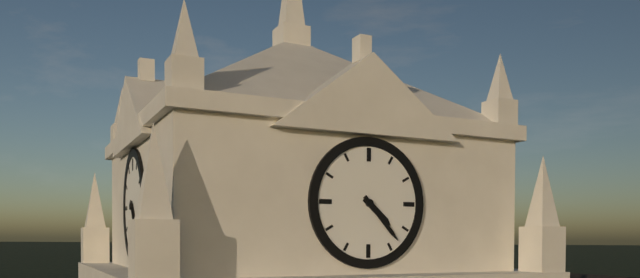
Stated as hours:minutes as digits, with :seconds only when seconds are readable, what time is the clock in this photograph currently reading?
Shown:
4:23
